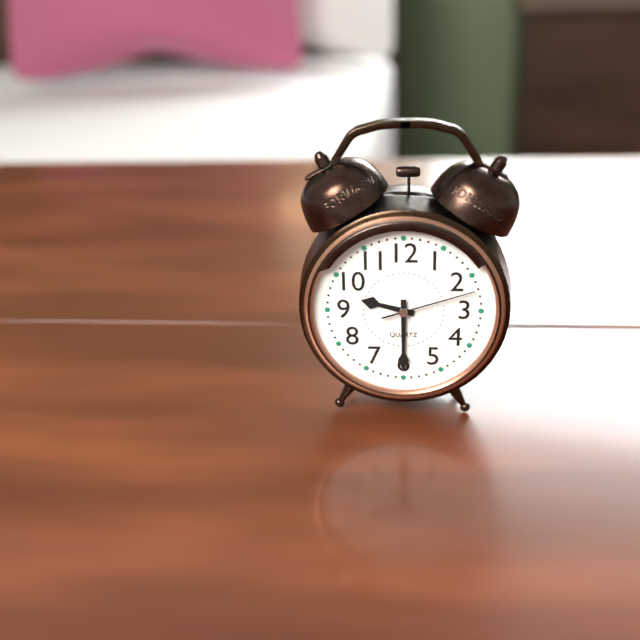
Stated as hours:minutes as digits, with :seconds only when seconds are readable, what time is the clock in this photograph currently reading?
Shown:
9:30:12
